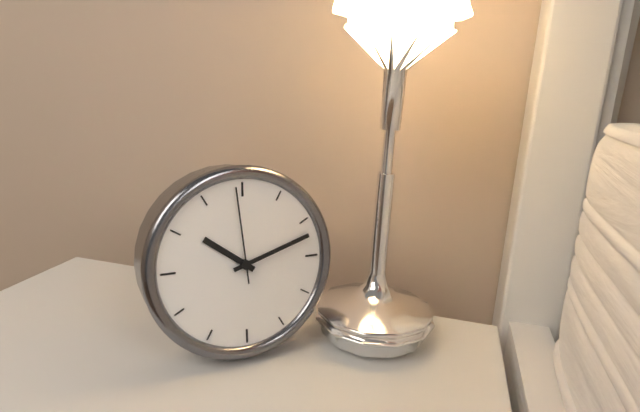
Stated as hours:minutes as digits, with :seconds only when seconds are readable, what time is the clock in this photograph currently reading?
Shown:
10:12:59
